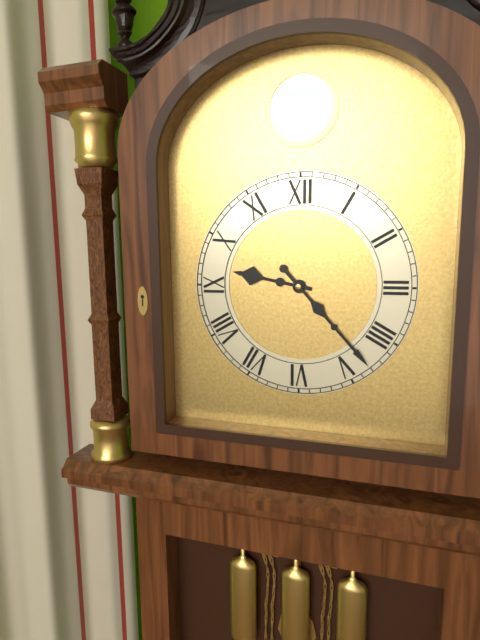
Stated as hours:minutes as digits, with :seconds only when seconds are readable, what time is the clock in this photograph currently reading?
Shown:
9:23
